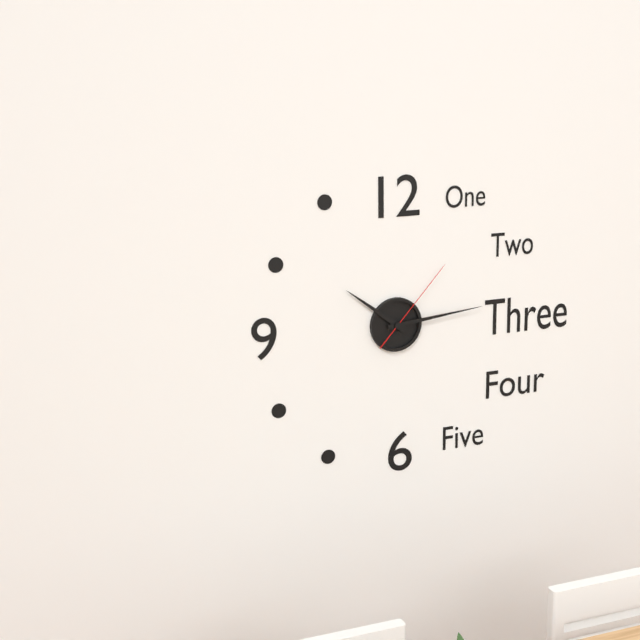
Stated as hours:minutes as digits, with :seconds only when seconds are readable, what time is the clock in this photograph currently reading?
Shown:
10:14:07
